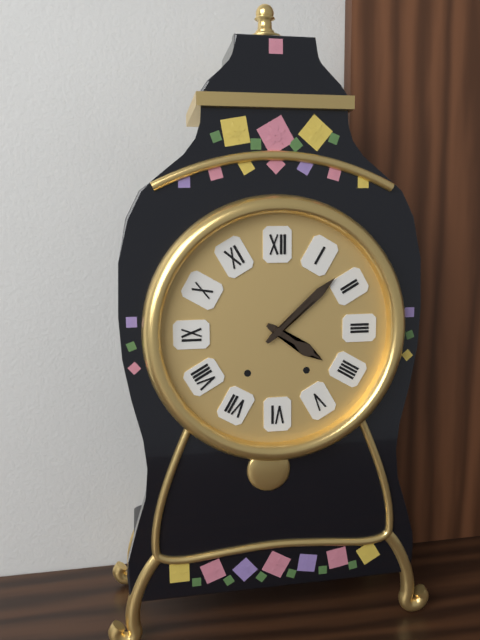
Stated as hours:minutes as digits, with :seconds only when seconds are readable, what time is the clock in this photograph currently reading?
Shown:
4:08
